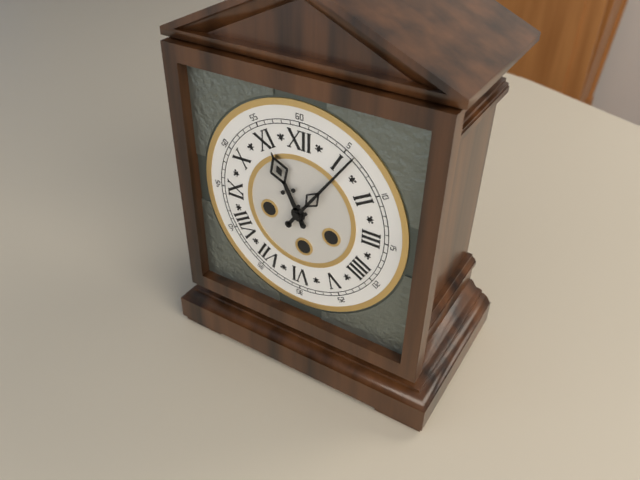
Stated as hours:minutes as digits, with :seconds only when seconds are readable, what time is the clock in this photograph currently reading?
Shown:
11:06
